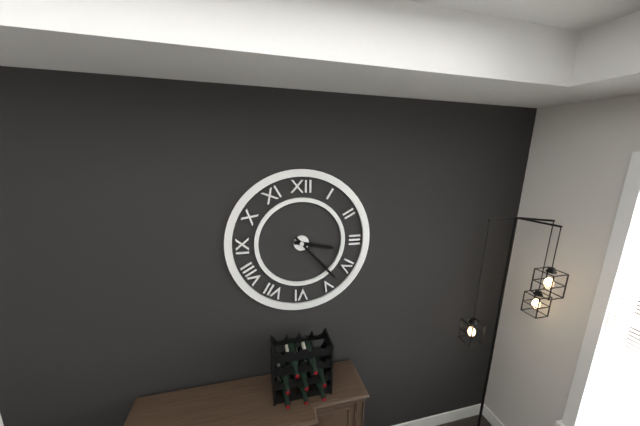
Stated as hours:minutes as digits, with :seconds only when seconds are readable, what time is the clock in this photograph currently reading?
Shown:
3:23
